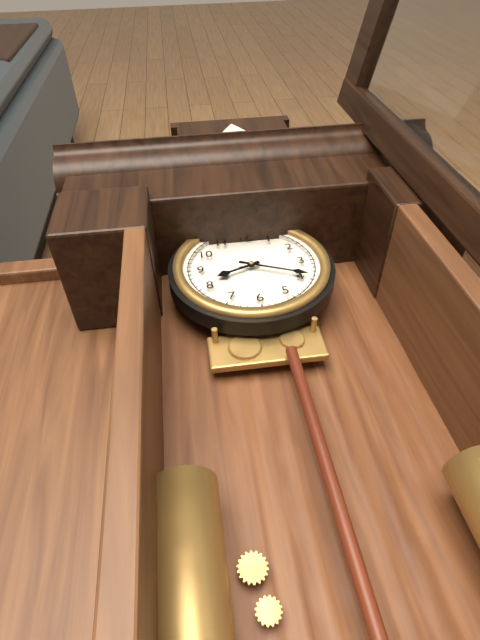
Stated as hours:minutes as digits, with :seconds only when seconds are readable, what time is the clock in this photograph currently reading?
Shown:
8:19
